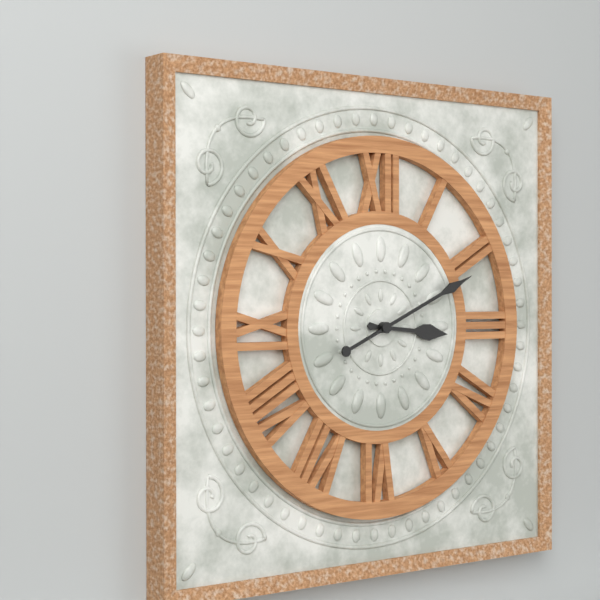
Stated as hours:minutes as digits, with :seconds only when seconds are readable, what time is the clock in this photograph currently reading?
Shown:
3:11
